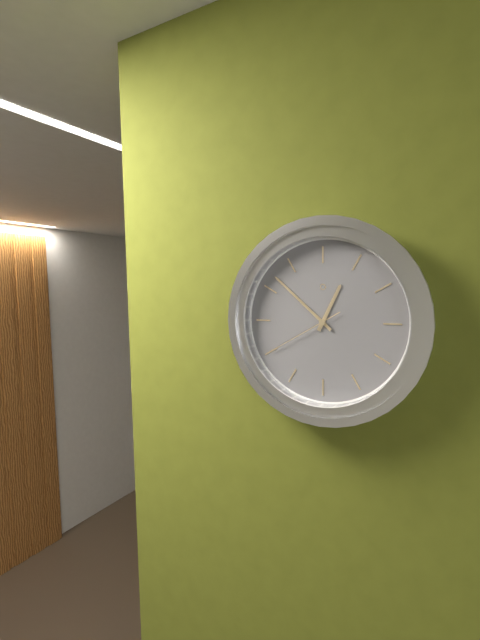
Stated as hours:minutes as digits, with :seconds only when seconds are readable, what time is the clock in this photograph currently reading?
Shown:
12:52:40
